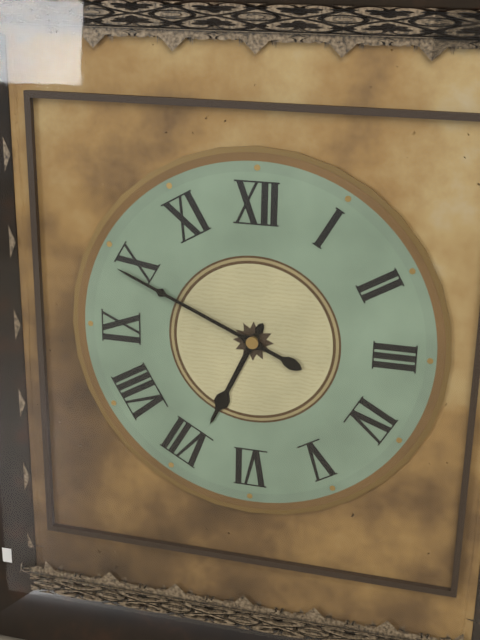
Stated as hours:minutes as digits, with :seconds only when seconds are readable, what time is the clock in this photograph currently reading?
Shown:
6:49
